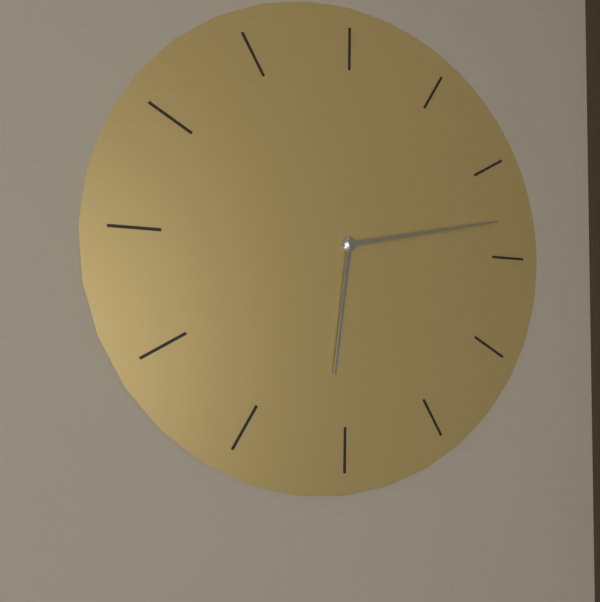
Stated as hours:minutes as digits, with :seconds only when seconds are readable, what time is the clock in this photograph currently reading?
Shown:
6:13
